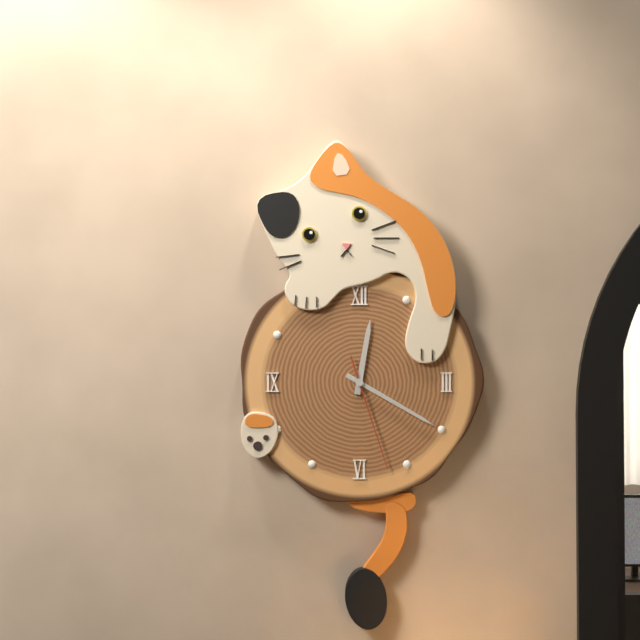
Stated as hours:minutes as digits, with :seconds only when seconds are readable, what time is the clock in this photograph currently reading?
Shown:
12:20:27
